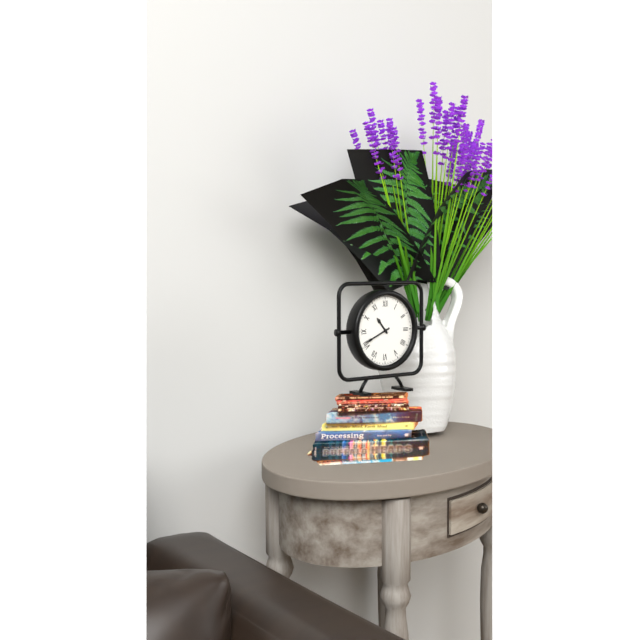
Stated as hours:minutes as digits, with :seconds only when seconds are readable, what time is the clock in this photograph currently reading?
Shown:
10:41
